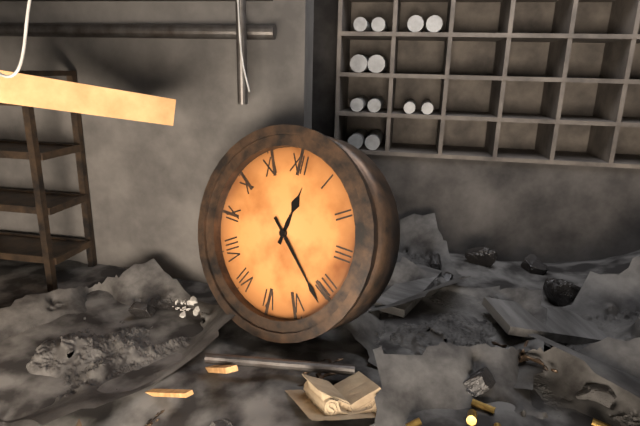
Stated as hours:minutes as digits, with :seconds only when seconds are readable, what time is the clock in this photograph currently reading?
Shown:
12:22
